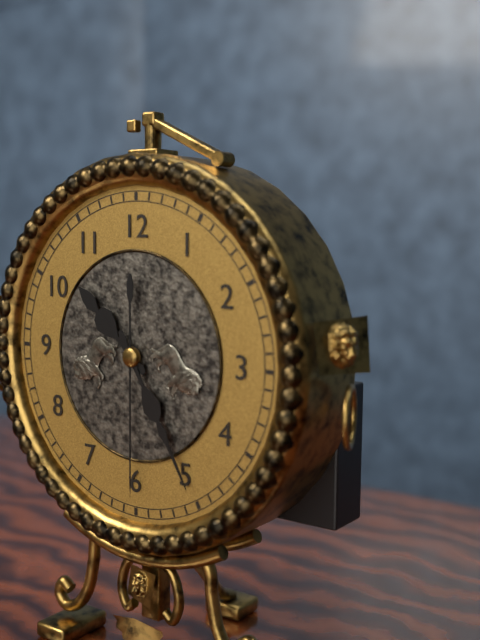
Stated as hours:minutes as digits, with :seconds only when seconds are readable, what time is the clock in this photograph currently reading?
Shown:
10:25:30
